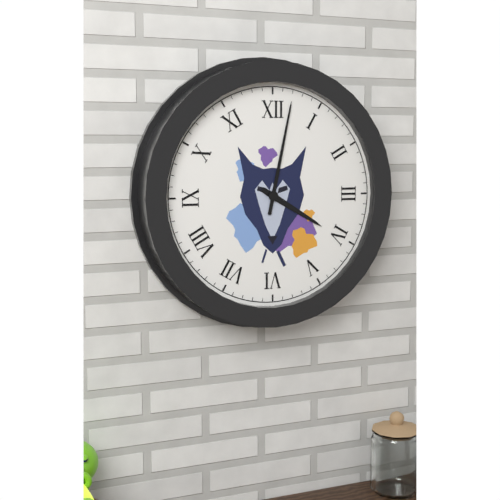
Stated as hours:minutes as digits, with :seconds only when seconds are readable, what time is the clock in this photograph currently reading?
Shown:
4:02
